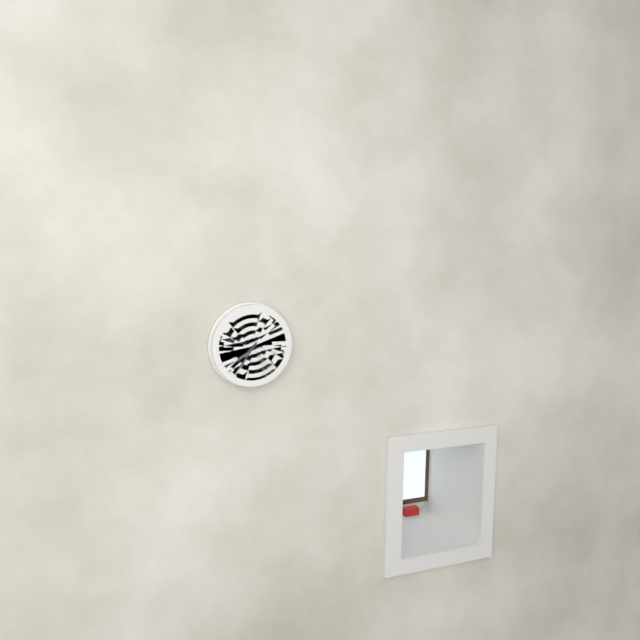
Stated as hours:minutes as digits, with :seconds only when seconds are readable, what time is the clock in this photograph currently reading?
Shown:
7:36
